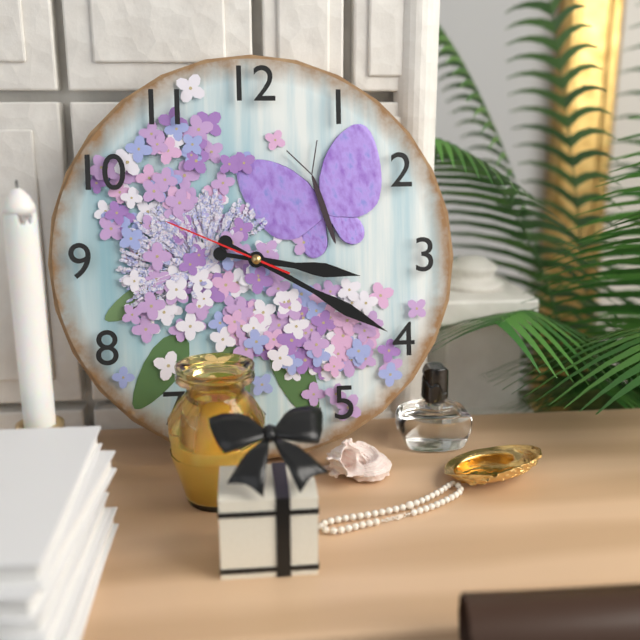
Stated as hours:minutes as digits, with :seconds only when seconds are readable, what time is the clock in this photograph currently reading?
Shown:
3:20:49
